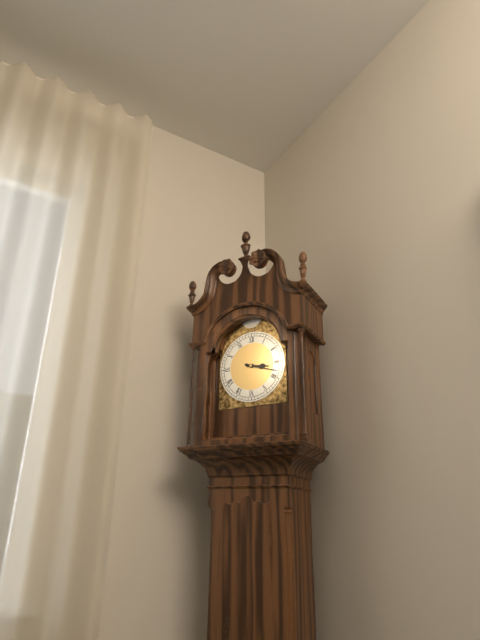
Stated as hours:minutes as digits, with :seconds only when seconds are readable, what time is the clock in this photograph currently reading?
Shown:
3:18
